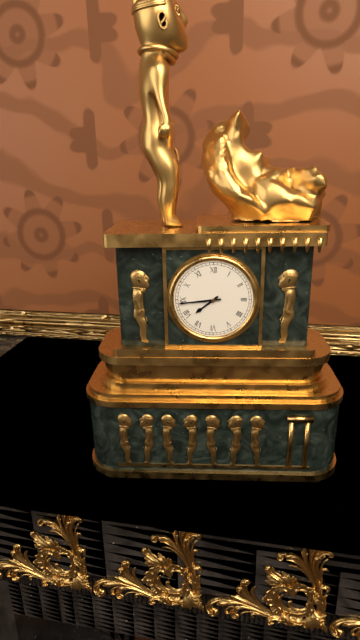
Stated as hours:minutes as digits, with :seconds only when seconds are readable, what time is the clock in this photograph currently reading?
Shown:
7:44
